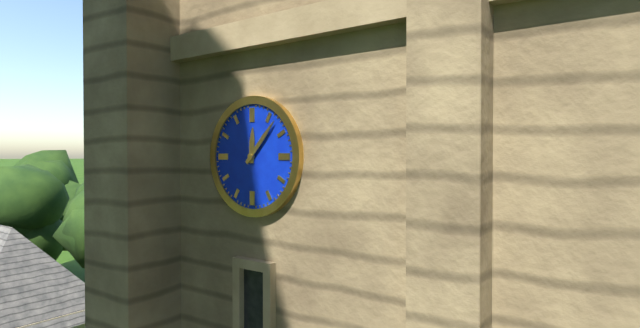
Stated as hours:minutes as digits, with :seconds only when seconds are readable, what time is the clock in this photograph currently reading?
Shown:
12:07
